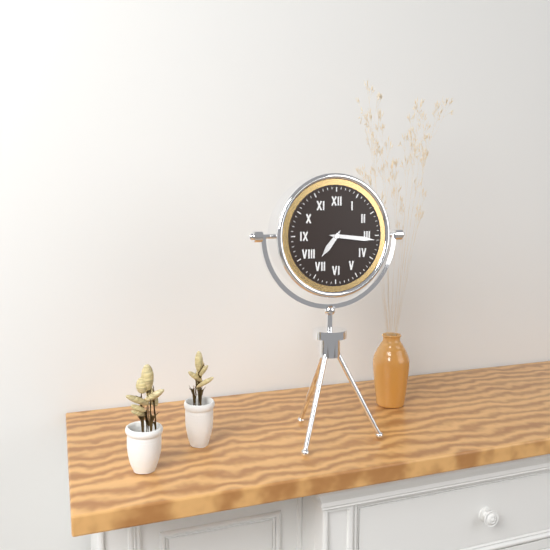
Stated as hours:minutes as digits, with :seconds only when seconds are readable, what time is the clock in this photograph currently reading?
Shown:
7:16
